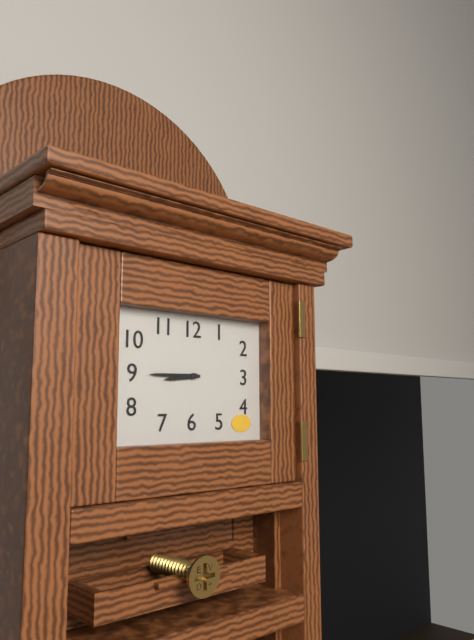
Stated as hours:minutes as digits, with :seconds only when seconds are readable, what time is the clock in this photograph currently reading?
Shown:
8:45
